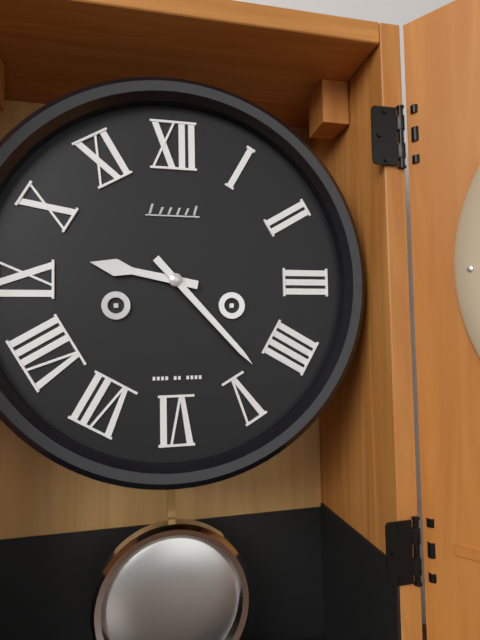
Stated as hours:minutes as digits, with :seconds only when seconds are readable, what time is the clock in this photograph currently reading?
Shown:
9:23
